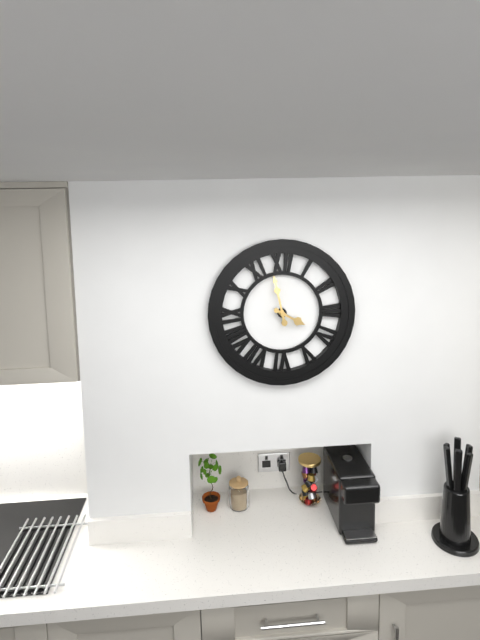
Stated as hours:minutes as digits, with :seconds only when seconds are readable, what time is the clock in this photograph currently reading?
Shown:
3:58
